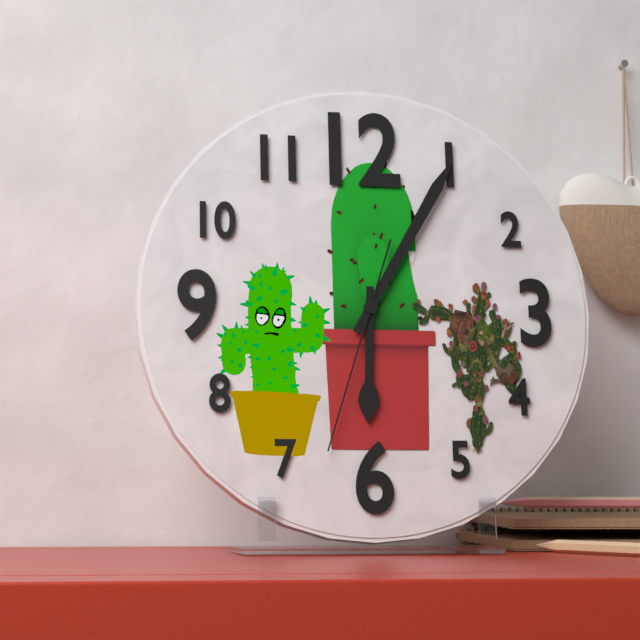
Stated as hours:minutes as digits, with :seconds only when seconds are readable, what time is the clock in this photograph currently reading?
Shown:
6:05:33
